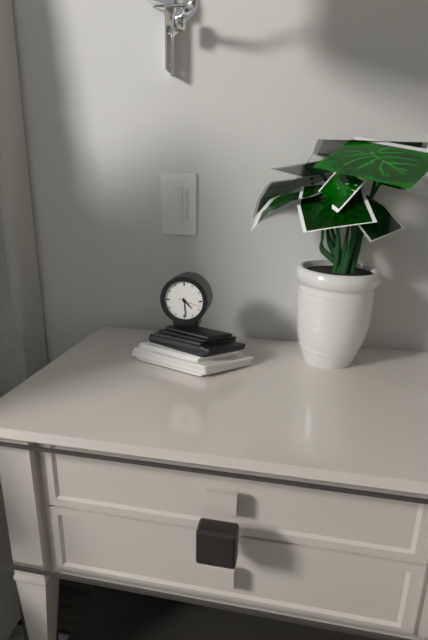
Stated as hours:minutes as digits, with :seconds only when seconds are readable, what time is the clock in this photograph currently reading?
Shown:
4:29
